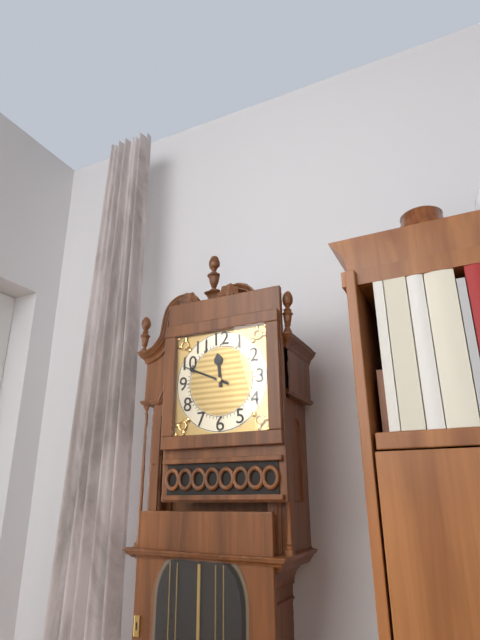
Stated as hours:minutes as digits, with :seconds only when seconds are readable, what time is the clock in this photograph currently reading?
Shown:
11:49
